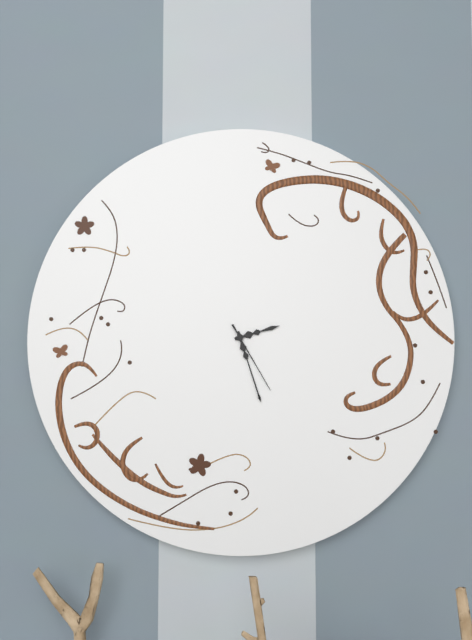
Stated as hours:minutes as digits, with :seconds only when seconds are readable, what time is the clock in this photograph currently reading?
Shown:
2:27:25
